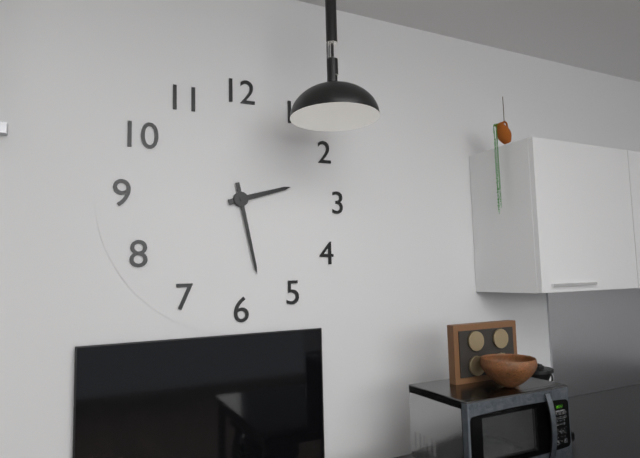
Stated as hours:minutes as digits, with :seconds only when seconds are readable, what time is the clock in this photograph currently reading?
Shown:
2:28
